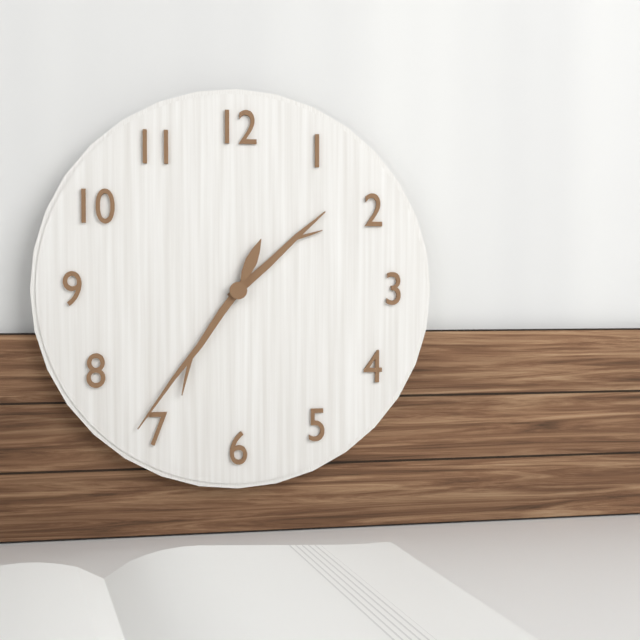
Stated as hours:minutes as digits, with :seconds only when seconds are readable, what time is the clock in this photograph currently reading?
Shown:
1:36:04
